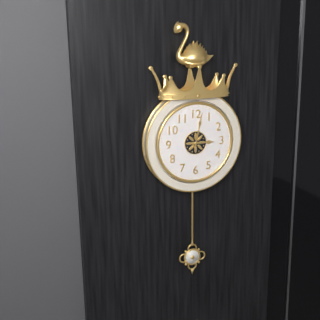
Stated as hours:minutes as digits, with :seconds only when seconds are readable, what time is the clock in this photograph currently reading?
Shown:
3:02
